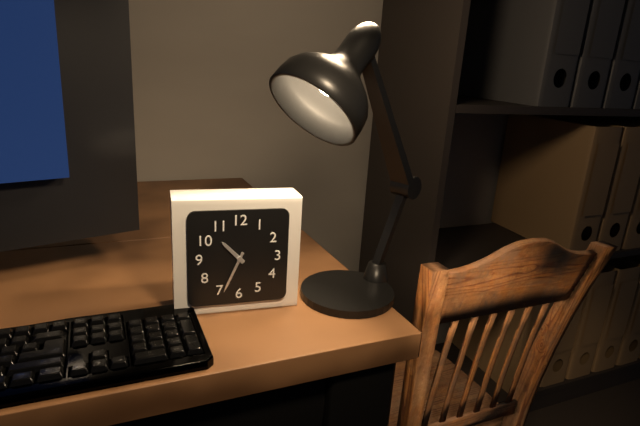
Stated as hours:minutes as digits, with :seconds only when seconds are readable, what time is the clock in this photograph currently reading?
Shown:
10:34
